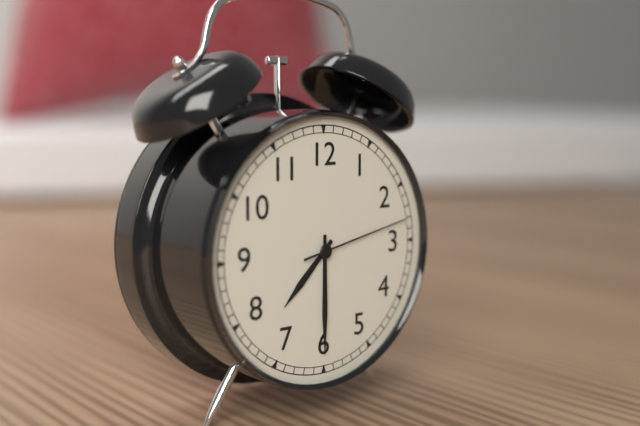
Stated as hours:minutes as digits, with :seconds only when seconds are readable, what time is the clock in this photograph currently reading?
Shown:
7:30:13
